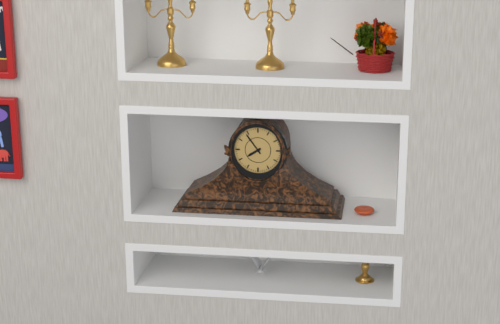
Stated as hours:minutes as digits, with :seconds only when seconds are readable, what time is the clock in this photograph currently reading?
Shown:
7:54
